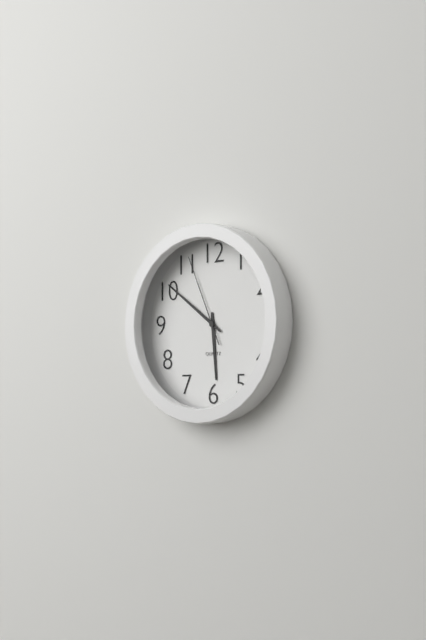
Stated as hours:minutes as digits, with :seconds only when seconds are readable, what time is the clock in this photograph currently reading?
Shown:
5:51:56
